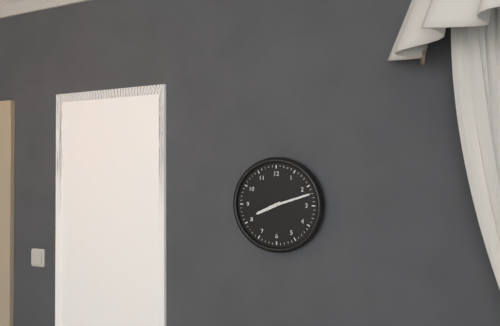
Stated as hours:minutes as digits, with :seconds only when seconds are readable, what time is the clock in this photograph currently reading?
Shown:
8:12
